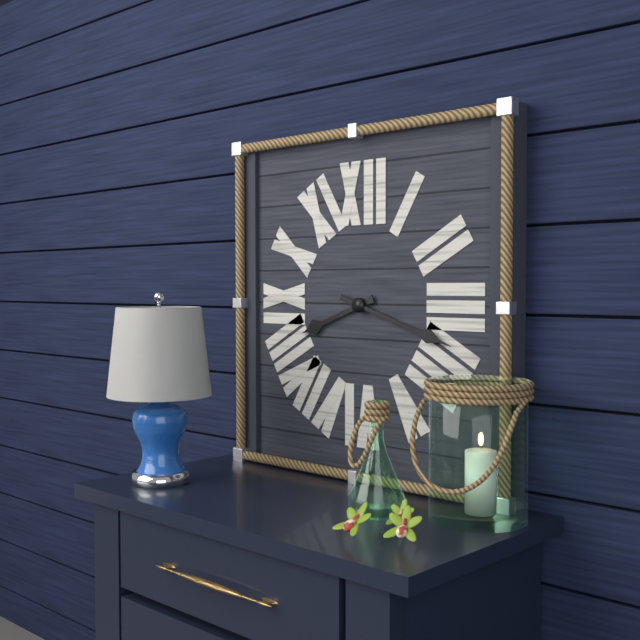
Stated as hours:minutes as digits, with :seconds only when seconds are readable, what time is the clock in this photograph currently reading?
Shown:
8:18
